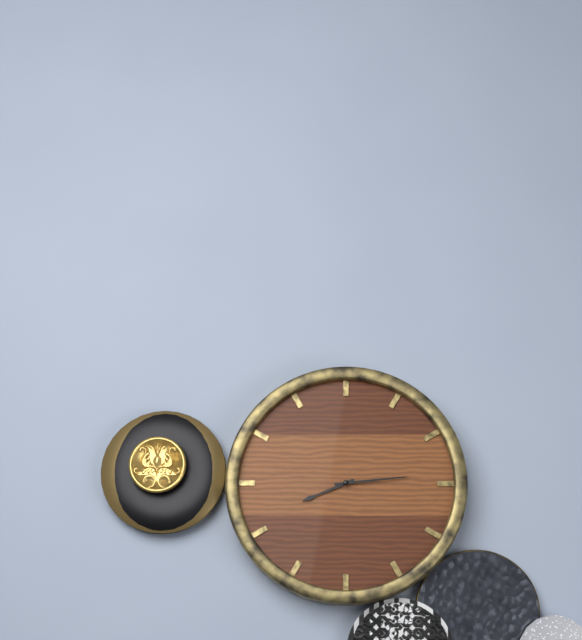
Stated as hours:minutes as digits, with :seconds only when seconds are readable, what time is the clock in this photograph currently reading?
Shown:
8:14
